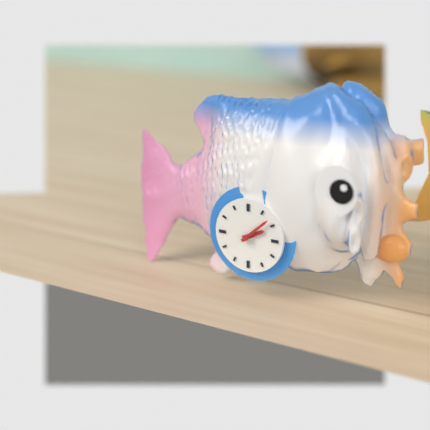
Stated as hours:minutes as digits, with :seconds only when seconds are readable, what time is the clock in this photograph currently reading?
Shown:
2:08
